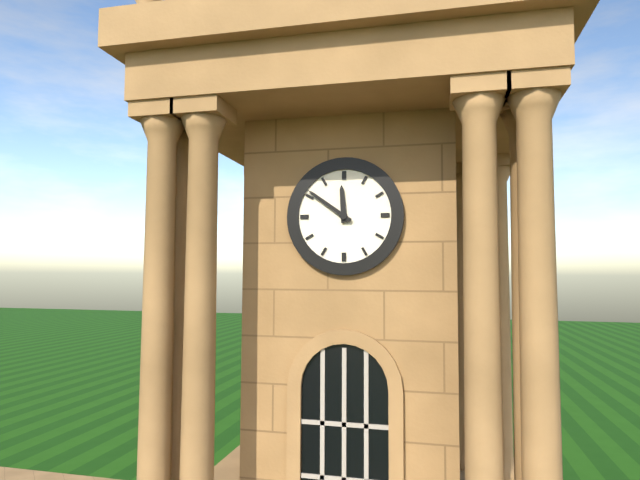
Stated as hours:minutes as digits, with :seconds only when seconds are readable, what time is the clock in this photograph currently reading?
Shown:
11:51
